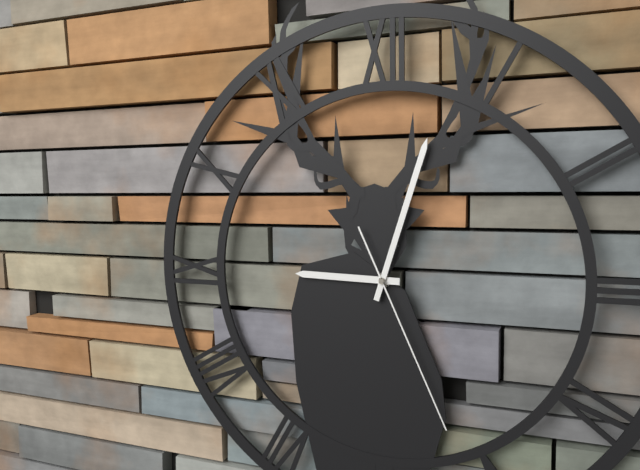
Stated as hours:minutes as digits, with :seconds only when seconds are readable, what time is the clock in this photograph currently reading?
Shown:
9:03:26
